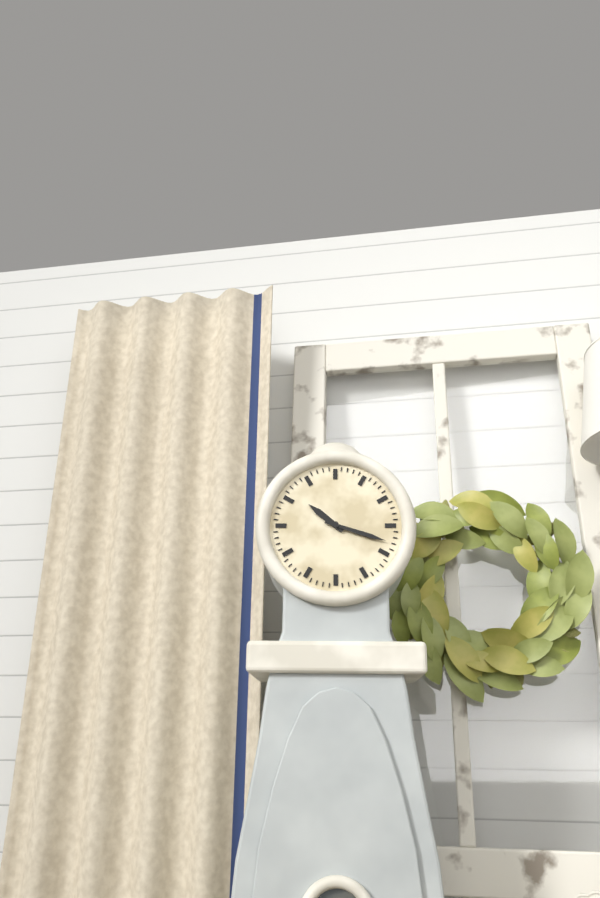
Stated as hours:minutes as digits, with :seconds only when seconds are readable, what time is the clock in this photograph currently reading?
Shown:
10:18
